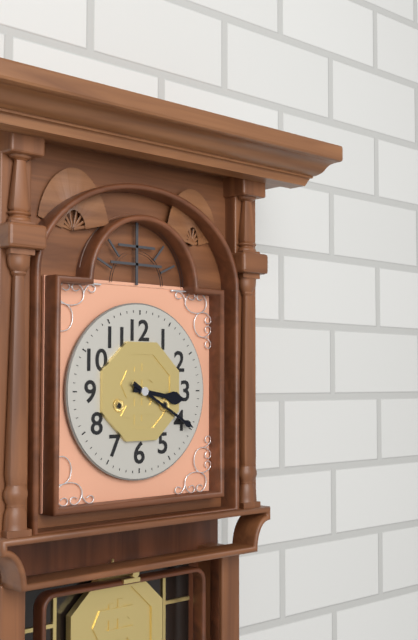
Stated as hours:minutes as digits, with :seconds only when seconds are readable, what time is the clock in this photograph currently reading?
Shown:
3:20
